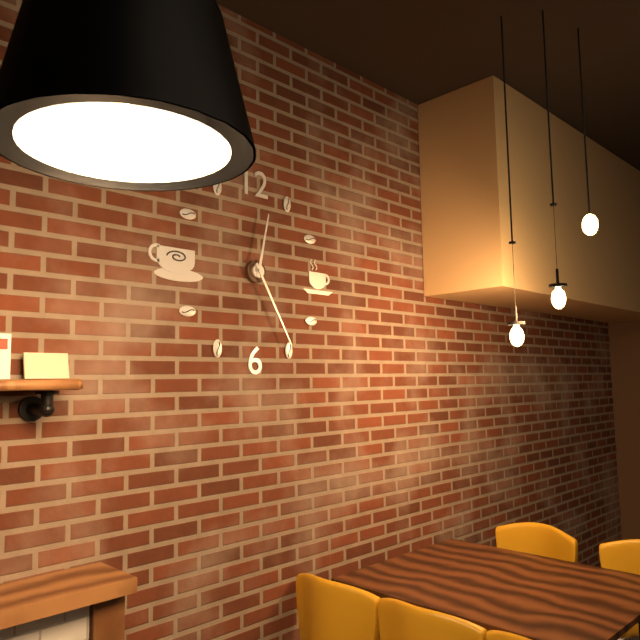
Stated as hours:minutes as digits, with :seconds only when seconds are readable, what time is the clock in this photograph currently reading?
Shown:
12:25
